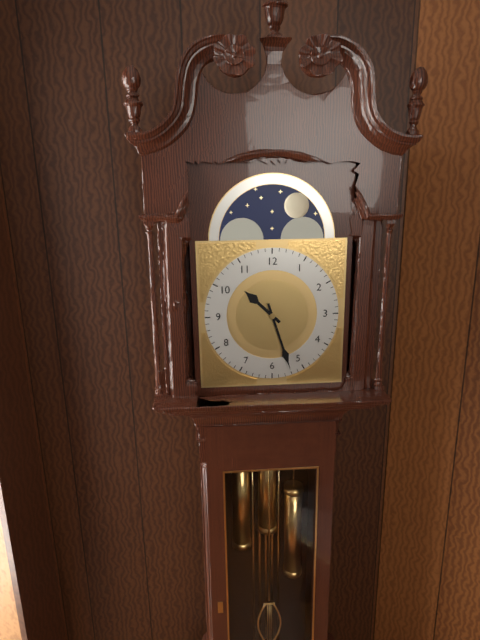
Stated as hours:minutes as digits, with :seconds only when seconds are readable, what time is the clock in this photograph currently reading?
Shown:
10:27
